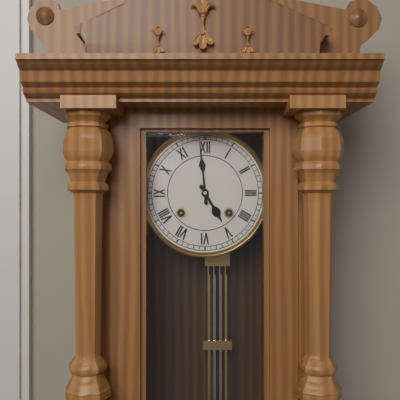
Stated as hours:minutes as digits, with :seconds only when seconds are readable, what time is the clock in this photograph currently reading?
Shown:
4:59
